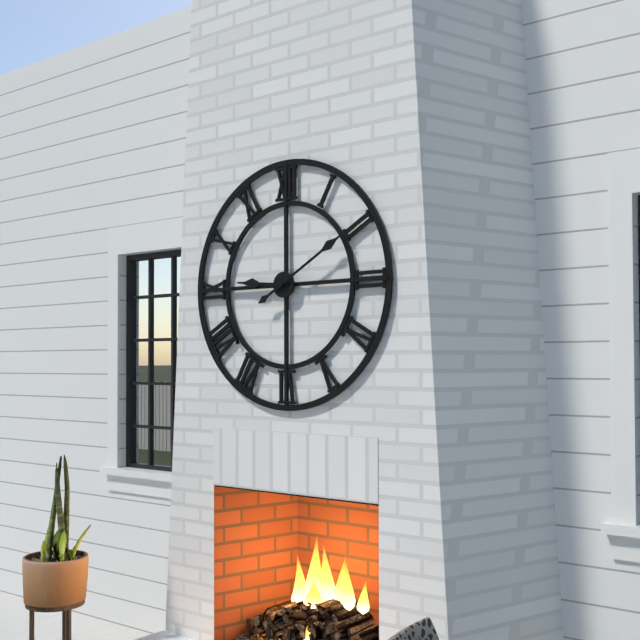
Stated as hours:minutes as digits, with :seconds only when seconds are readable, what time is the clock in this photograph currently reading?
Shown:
9:10
